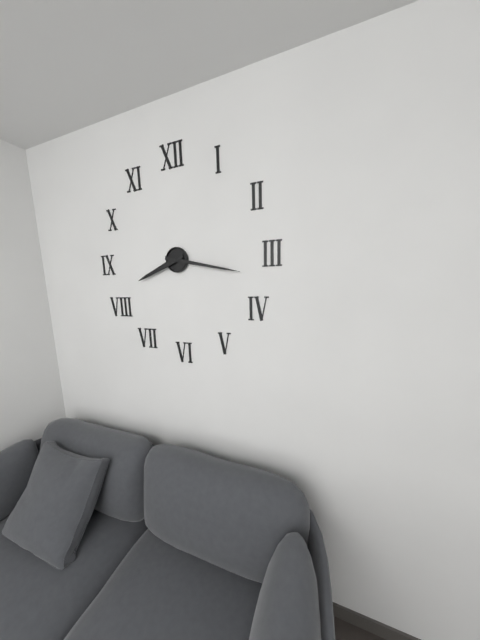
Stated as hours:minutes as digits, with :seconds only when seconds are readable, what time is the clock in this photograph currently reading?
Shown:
8:17
